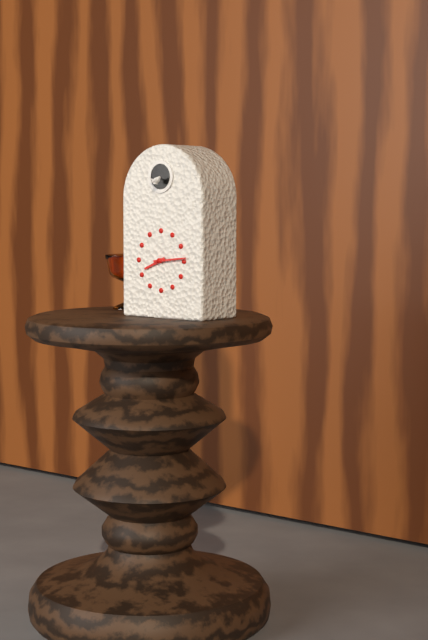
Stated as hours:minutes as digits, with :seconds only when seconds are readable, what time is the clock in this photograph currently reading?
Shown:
8:14
